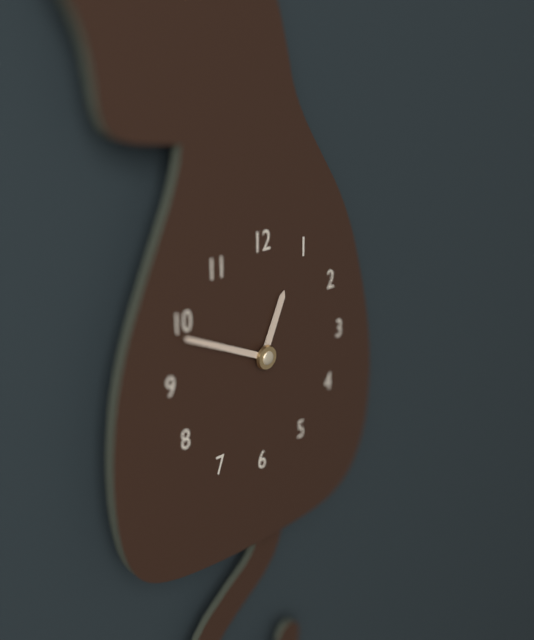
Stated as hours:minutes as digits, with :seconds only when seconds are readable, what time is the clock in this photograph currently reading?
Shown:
12:49
